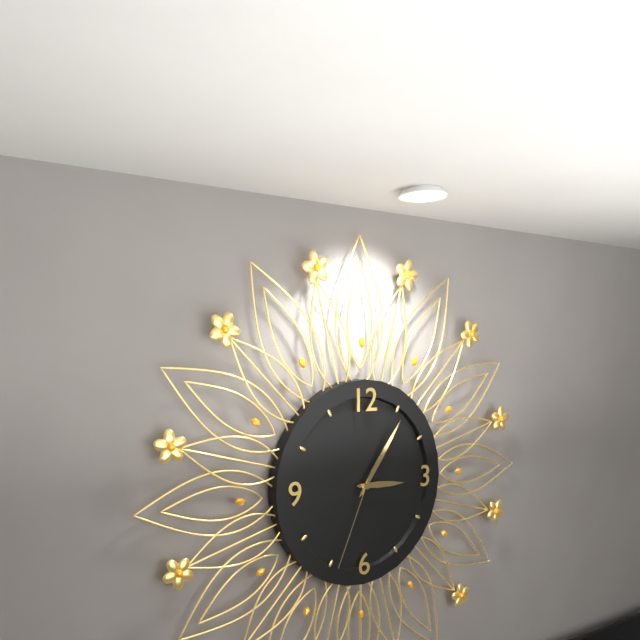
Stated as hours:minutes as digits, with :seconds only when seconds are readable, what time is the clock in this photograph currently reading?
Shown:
3:06:34
